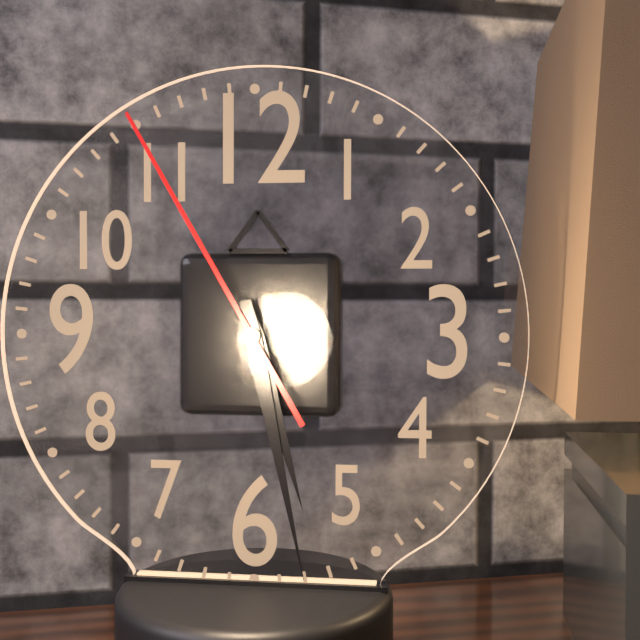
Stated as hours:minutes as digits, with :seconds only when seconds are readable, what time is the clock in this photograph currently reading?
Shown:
5:28:55
